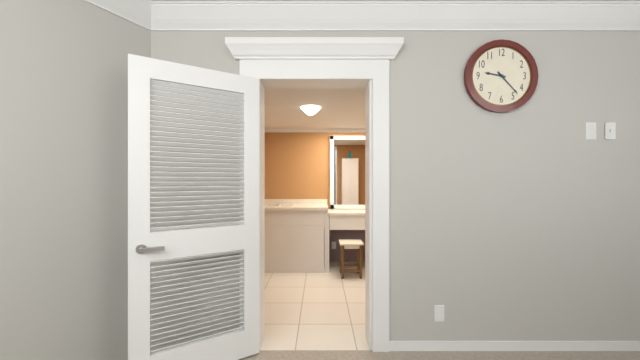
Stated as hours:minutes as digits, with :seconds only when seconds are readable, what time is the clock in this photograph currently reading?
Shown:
9:23
